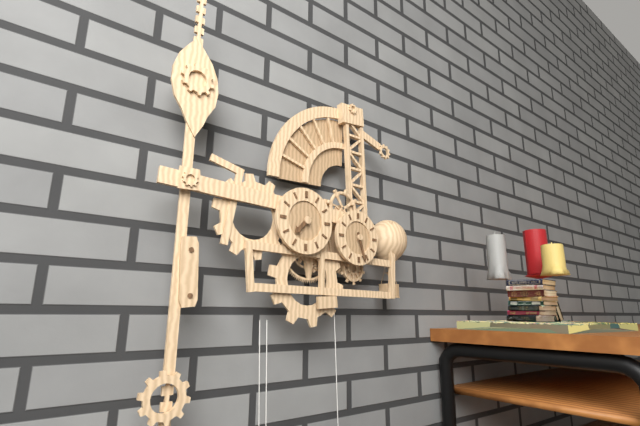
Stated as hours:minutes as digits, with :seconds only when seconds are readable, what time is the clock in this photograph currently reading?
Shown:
7:27
